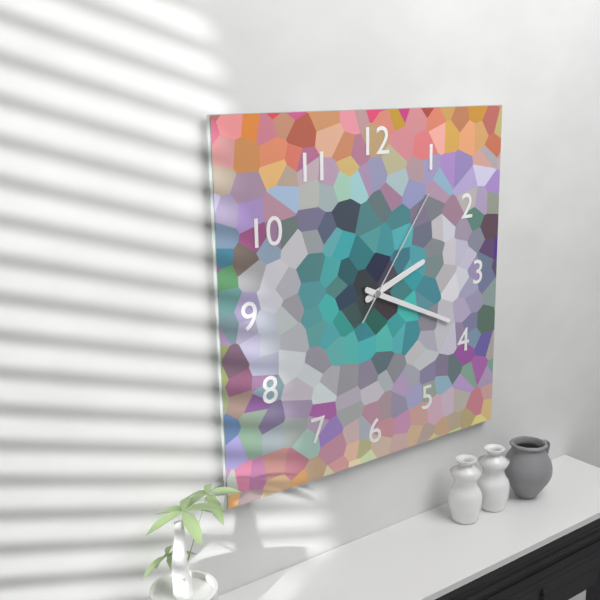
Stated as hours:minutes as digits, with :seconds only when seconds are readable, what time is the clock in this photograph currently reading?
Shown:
2:19:06
